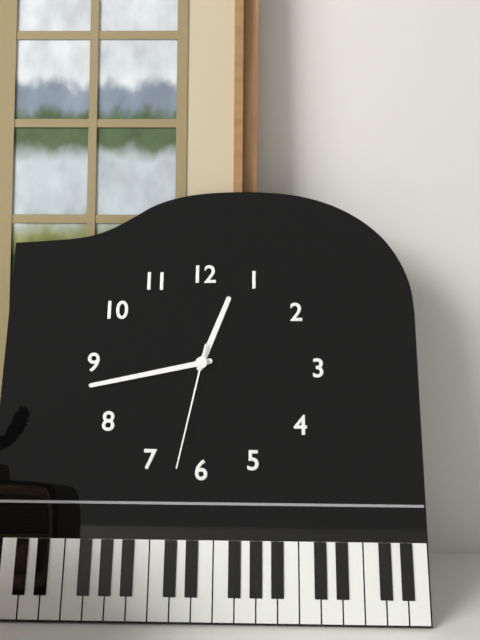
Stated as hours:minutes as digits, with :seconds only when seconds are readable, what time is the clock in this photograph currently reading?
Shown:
12:43:32
